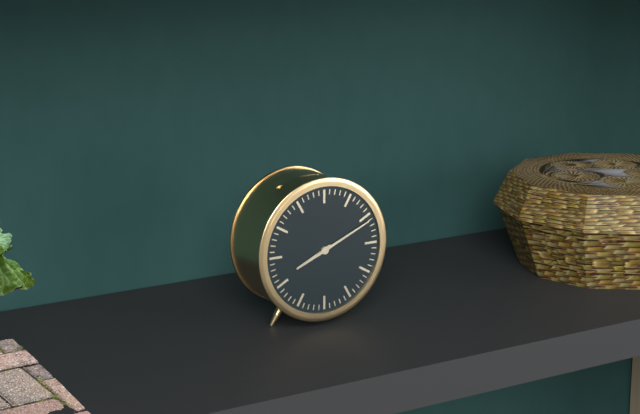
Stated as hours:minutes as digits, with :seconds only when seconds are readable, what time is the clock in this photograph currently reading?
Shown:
8:11
